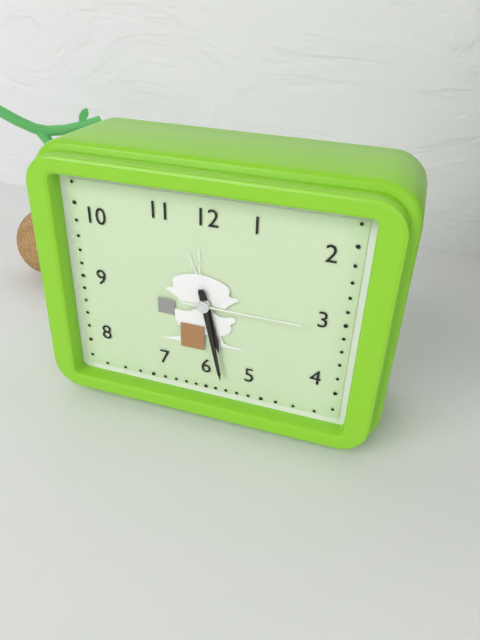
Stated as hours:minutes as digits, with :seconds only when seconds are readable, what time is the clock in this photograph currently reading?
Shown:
5:28:15
